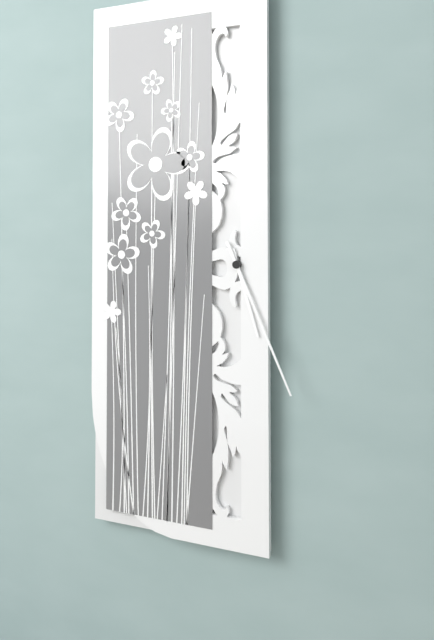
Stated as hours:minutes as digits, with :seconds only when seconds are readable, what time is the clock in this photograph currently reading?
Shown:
5:26
